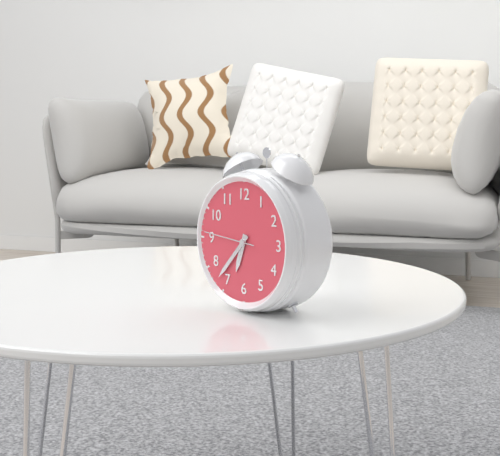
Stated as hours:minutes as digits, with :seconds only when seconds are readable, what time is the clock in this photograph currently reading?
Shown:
6:37:46
